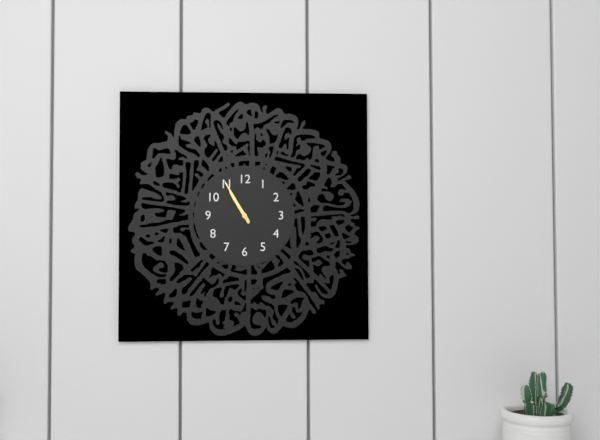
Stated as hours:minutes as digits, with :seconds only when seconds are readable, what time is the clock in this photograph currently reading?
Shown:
10:55
